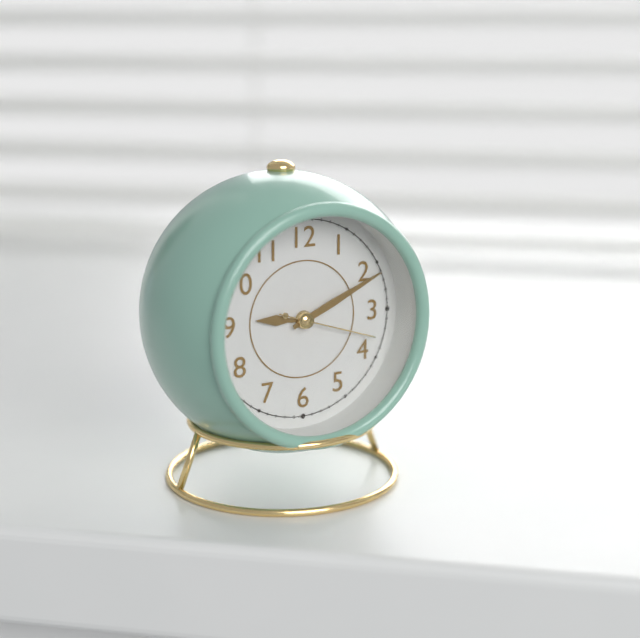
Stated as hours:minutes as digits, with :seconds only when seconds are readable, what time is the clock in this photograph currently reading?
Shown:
9:11:18
